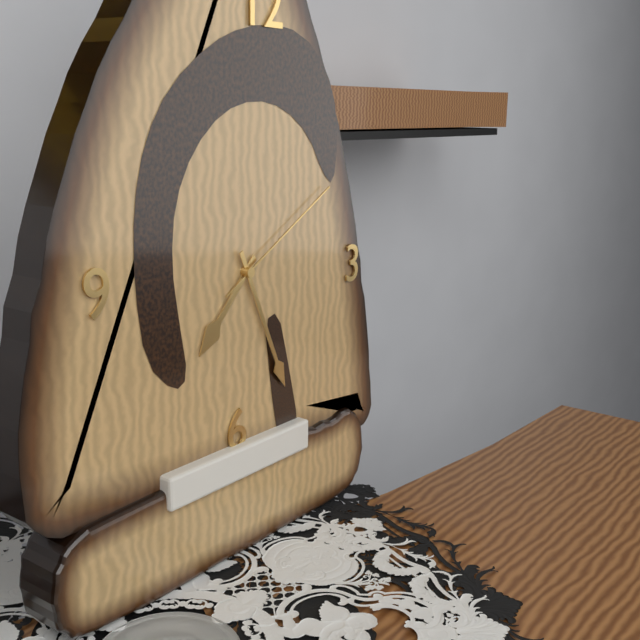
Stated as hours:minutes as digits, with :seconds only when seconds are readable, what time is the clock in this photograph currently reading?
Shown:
7:26:10
